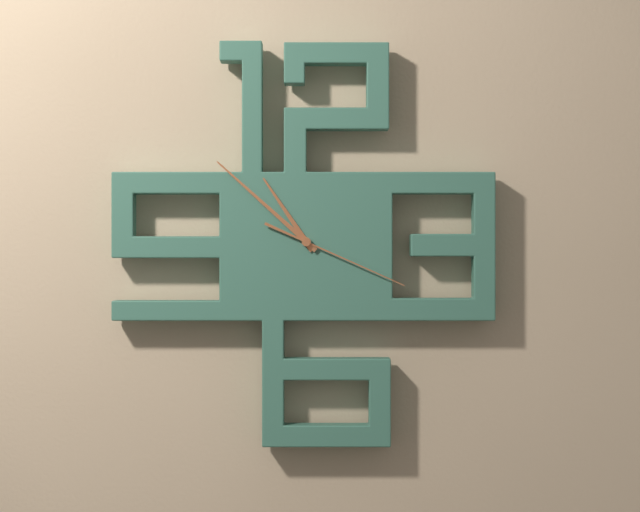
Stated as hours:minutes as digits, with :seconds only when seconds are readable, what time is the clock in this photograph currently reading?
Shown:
10:52:19
